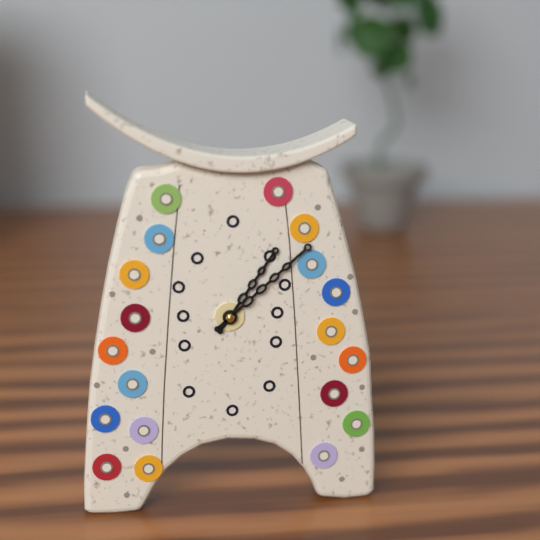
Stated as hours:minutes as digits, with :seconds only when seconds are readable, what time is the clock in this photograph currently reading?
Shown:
1:08
